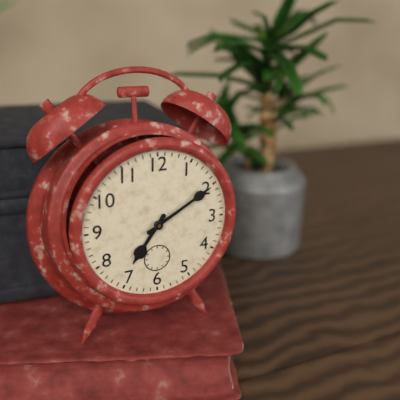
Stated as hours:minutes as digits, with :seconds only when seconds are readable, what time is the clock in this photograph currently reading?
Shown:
7:10
